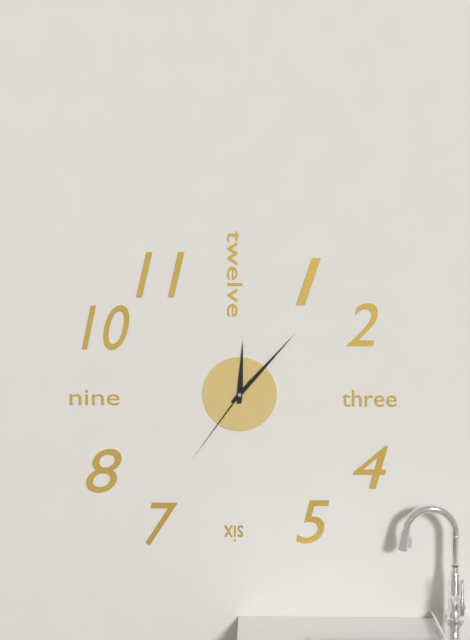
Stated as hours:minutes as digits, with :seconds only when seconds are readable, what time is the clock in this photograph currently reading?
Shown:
12:07:36
